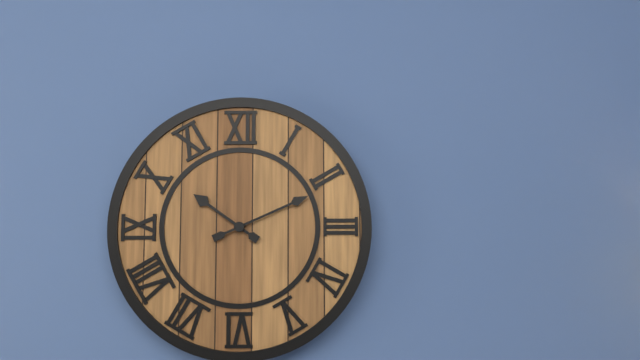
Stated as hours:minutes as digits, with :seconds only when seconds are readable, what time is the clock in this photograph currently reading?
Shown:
10:11
